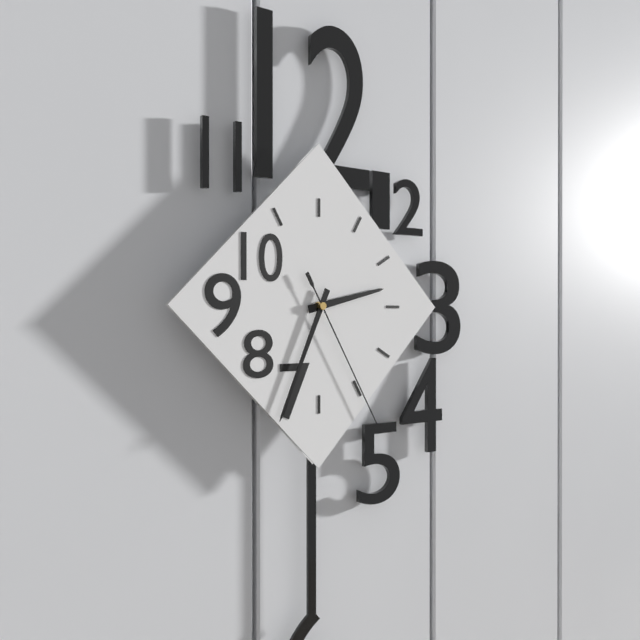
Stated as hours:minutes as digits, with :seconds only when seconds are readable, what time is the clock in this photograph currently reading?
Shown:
2:34:25
